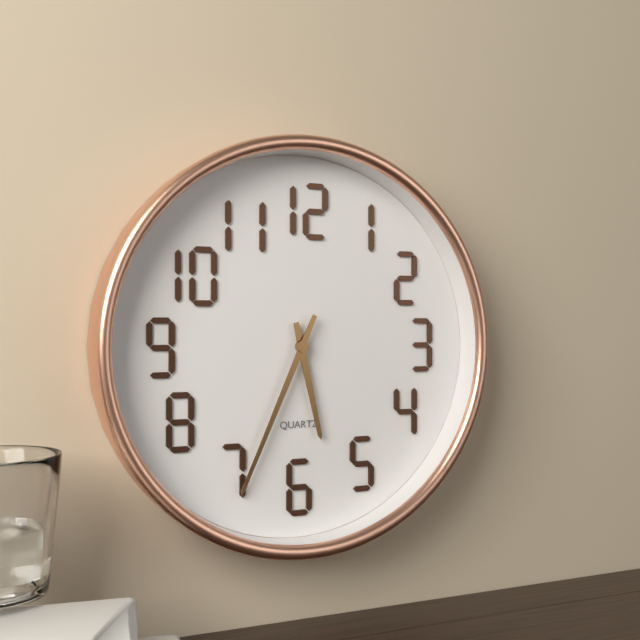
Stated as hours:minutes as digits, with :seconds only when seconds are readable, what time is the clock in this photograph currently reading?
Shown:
5:34
